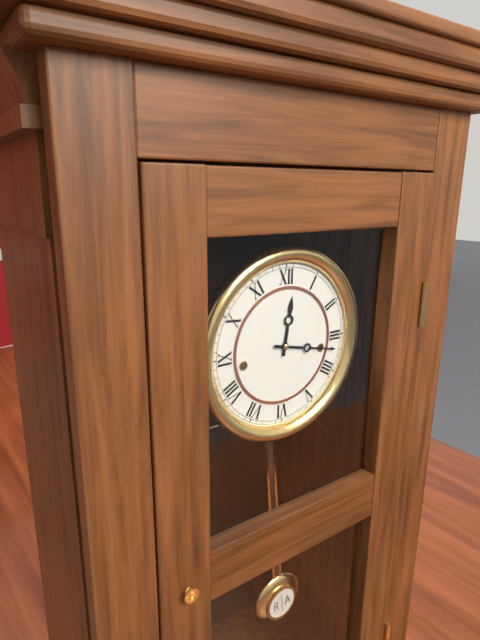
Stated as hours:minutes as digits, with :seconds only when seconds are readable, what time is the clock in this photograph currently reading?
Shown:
12:17
